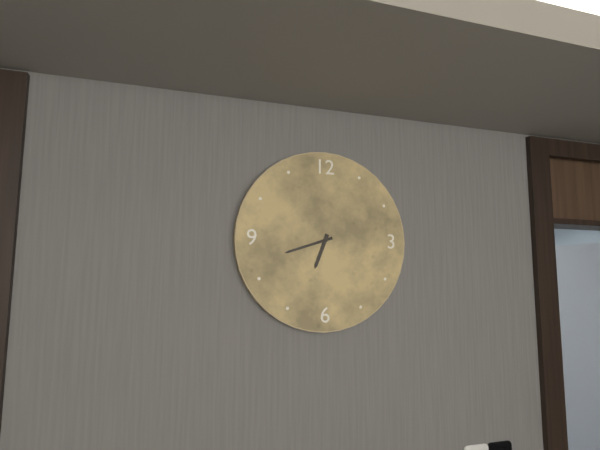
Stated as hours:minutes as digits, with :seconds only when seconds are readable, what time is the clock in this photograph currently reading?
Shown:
6:42
